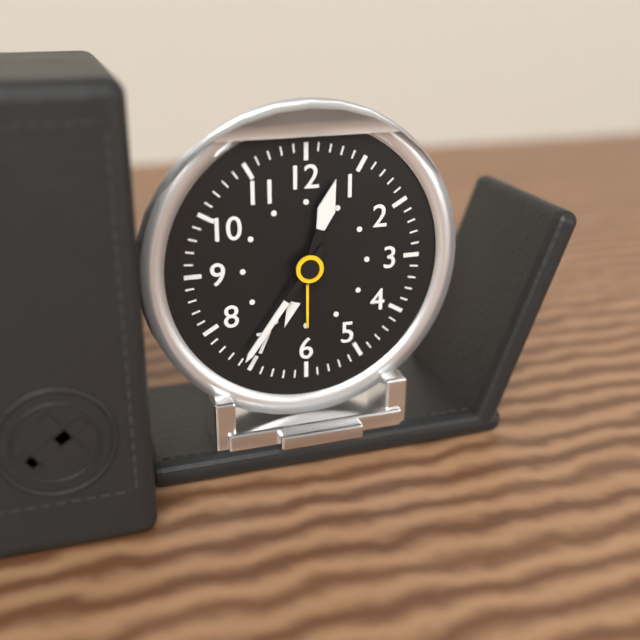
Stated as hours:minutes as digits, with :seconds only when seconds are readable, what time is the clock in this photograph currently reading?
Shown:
12:36
